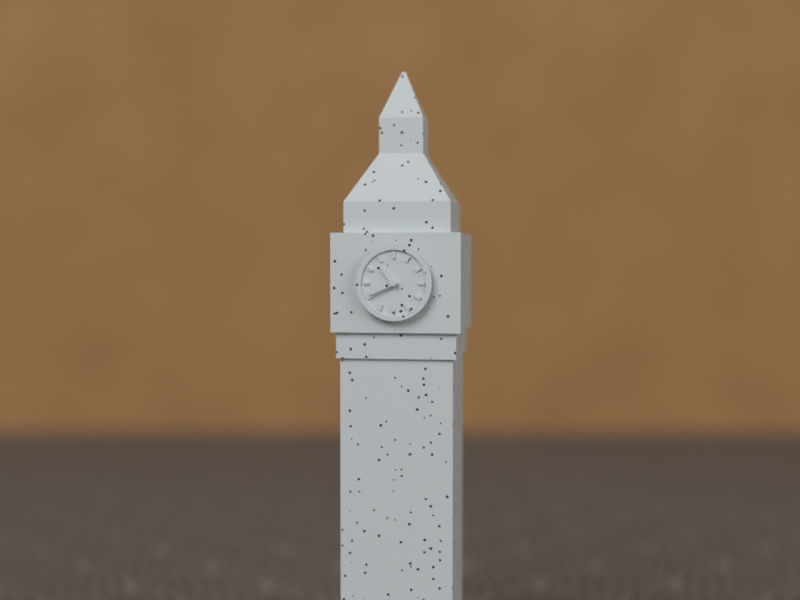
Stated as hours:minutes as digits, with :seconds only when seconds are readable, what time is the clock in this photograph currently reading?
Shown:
10:41
